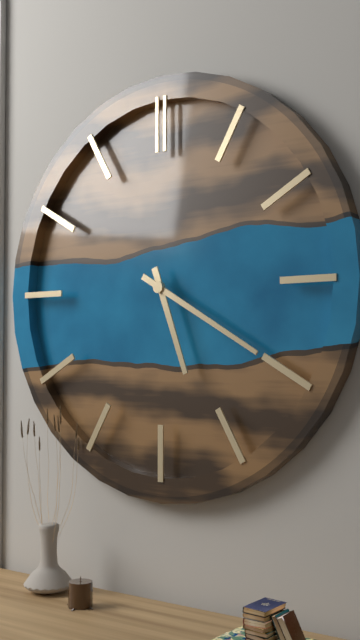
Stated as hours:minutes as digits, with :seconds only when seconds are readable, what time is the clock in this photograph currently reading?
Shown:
5:20
